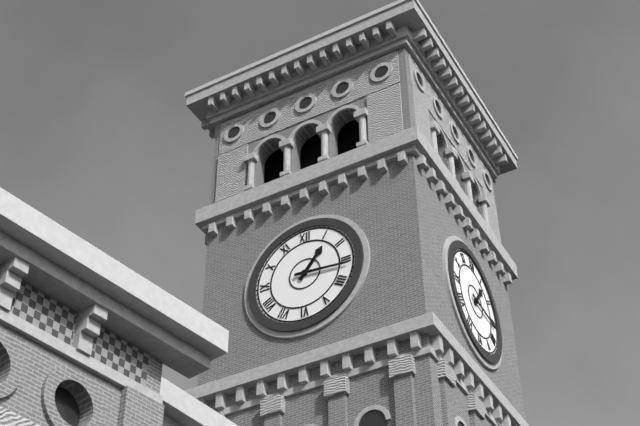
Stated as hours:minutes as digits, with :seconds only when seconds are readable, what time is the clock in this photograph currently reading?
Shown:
1:16
